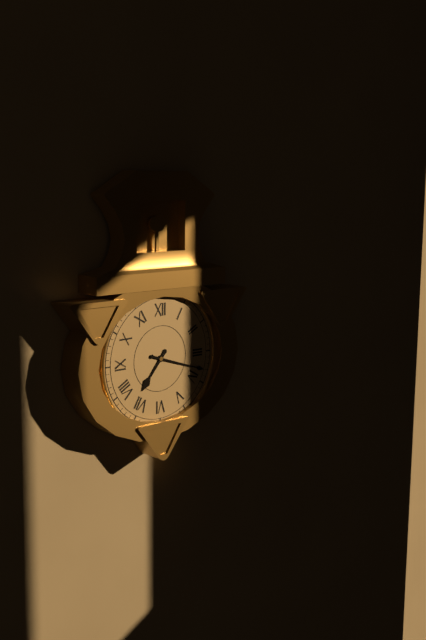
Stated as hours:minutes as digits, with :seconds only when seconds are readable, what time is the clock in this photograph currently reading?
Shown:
7:18
